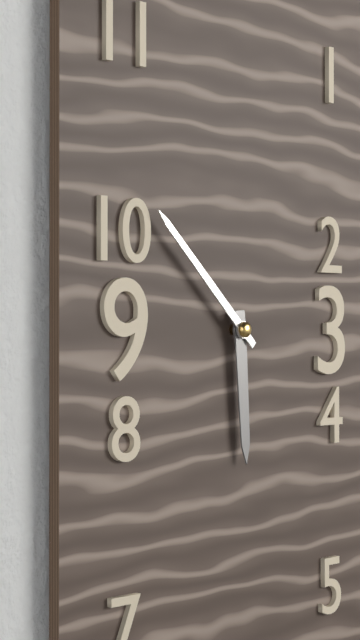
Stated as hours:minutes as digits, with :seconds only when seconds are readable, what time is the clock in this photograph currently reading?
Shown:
5:52
